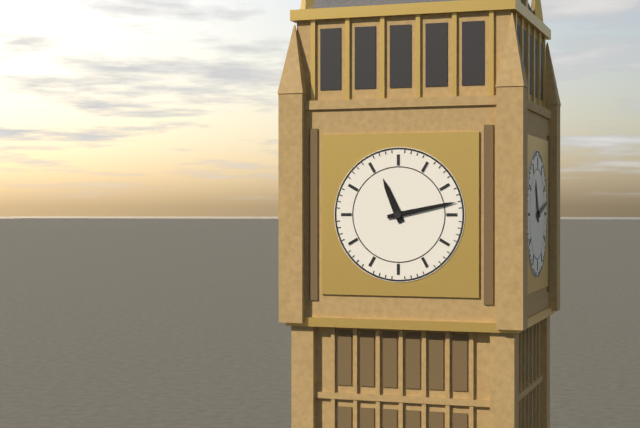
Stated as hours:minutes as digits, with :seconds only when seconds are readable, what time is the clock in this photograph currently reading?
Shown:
11:13
